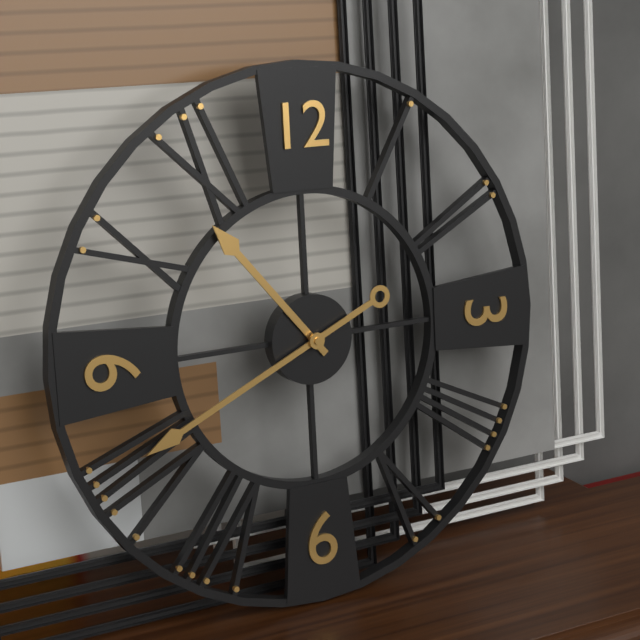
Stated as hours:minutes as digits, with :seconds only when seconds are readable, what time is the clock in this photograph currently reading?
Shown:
10:41
